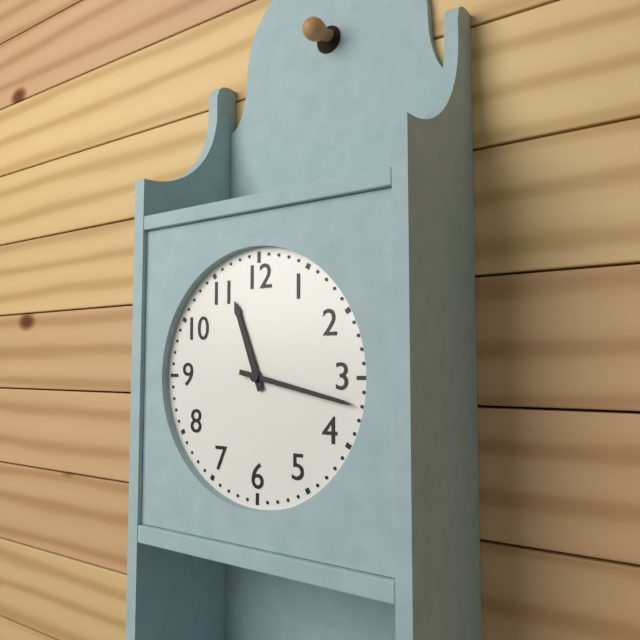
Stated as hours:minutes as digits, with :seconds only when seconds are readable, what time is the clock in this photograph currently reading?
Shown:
11:17
